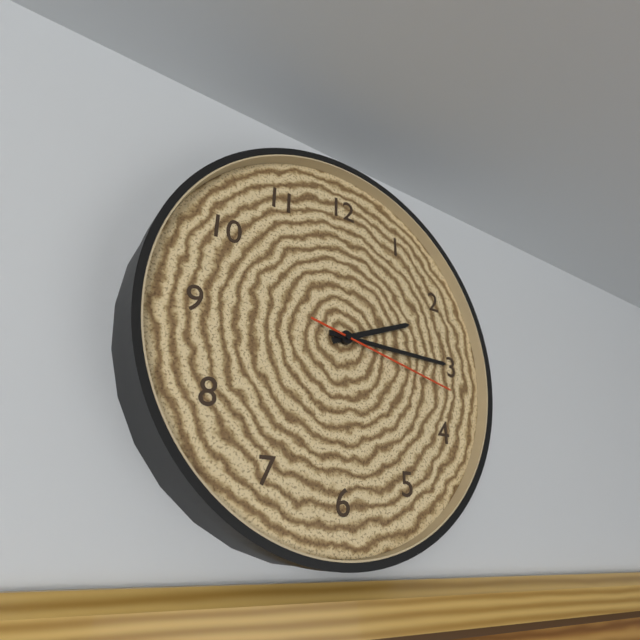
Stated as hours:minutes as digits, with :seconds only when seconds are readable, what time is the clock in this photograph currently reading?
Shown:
2:15:17
